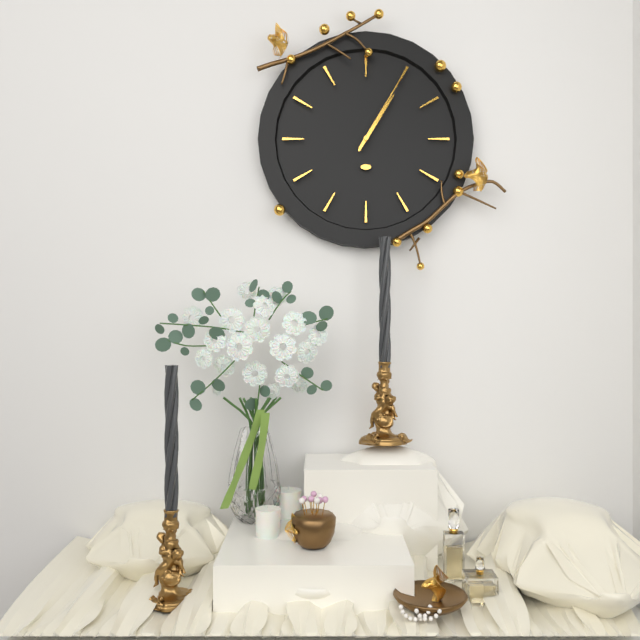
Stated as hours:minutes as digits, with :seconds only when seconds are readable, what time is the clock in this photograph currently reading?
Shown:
1:05
